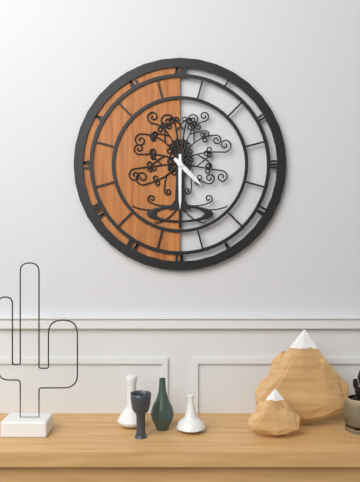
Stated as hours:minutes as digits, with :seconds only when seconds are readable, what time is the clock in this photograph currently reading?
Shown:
4:30
